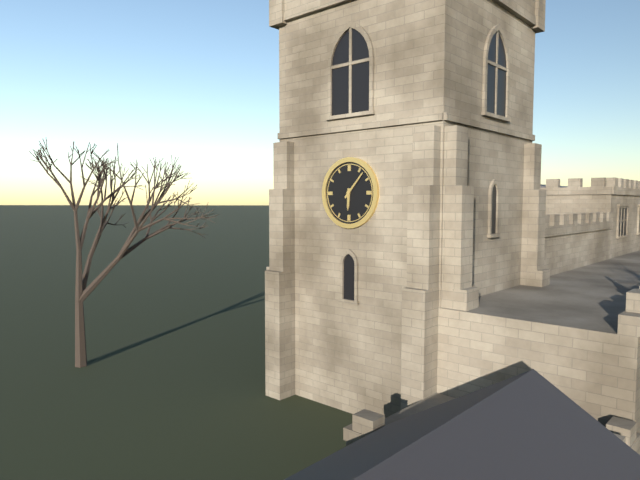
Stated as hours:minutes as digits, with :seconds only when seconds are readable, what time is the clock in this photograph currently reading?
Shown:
6:07
